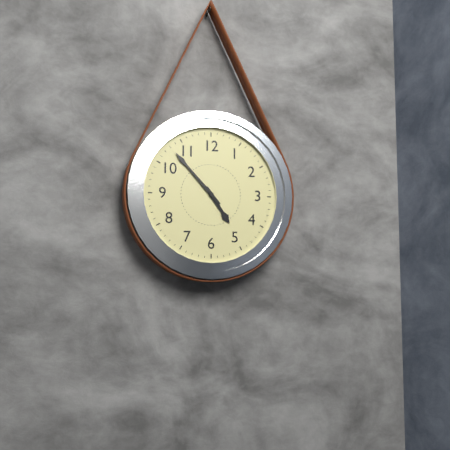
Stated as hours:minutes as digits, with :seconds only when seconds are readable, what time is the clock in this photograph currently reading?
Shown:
4:53
